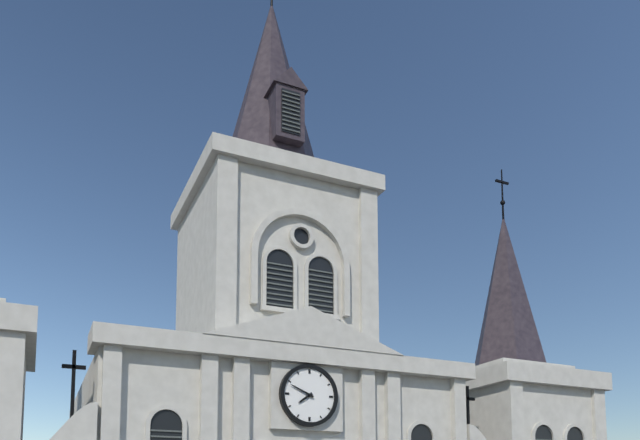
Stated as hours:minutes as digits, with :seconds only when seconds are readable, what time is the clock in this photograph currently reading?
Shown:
7:49
